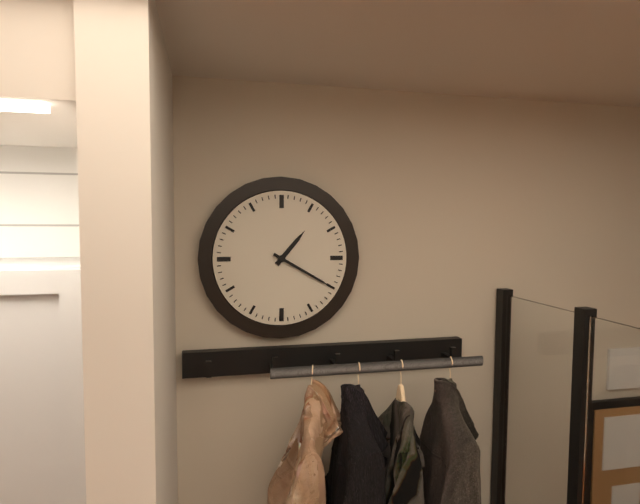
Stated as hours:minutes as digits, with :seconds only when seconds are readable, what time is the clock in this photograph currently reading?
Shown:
1:20
